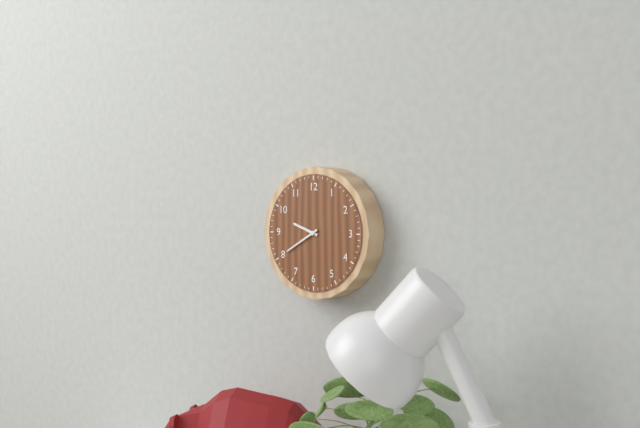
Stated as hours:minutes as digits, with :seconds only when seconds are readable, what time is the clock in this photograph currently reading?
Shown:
9:40
